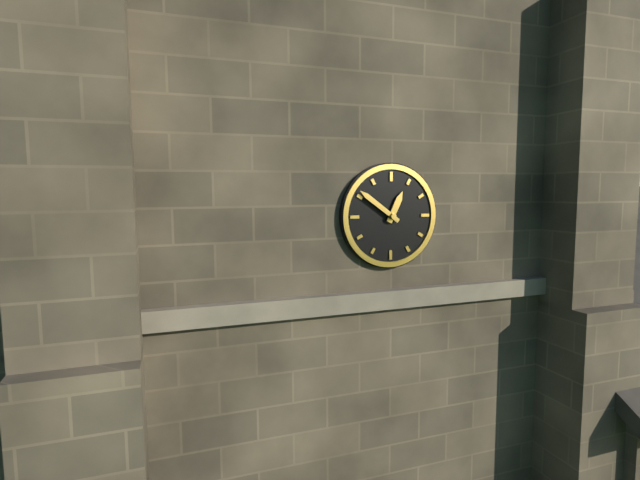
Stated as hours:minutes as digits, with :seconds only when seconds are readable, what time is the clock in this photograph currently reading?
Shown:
12:51
